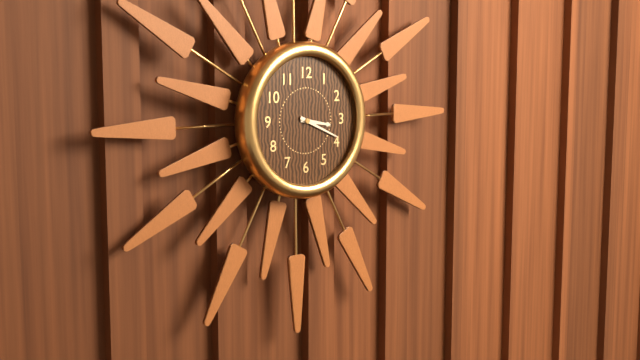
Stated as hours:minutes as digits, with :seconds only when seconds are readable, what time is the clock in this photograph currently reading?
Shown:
3:19
